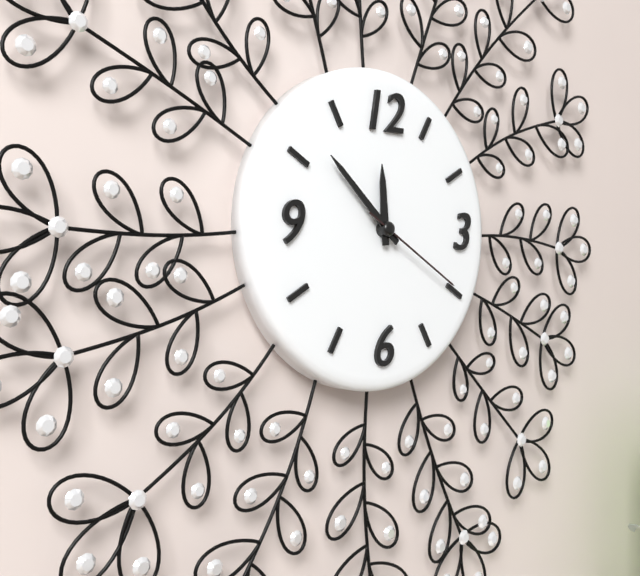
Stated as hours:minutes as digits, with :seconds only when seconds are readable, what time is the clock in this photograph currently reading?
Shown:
11:52:20
